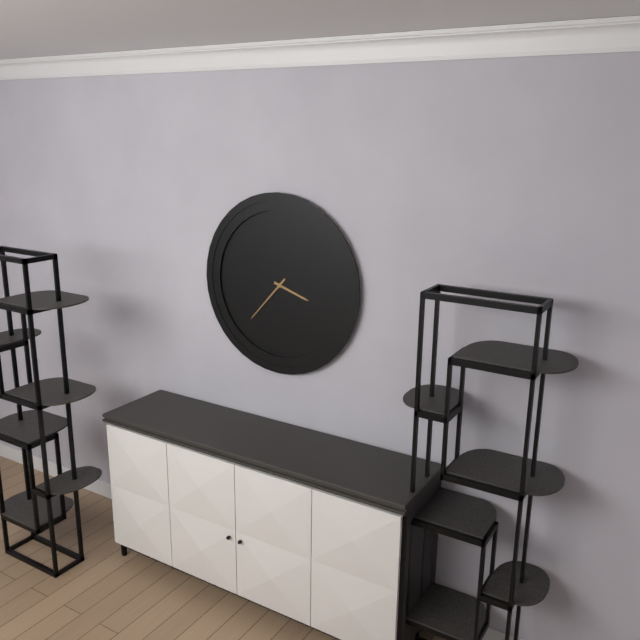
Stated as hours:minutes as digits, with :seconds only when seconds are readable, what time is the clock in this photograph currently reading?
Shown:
3:37
